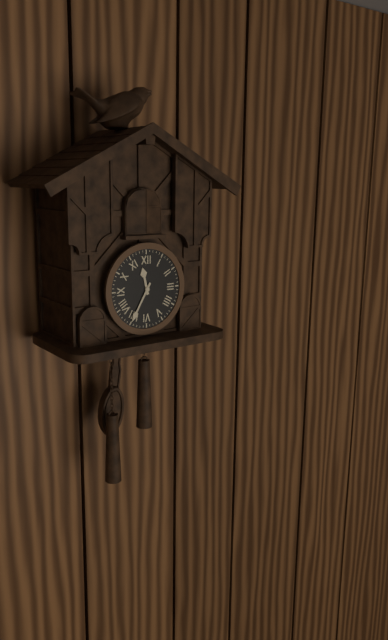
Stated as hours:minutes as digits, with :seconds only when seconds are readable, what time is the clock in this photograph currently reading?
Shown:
11:35
